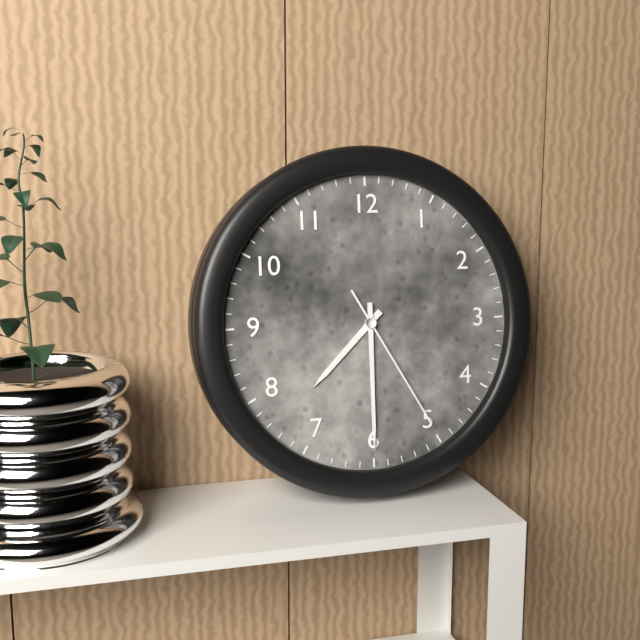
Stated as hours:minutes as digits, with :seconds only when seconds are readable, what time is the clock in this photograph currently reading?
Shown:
7:30:25
